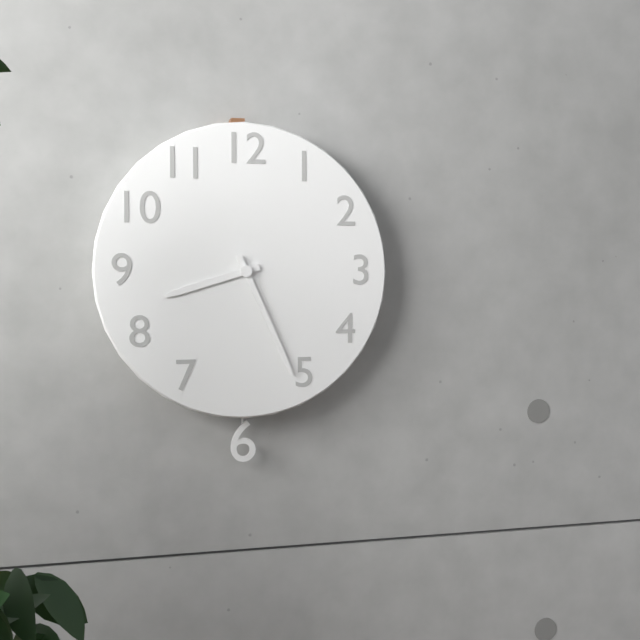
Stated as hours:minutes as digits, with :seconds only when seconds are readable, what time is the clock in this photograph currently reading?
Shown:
8:26
